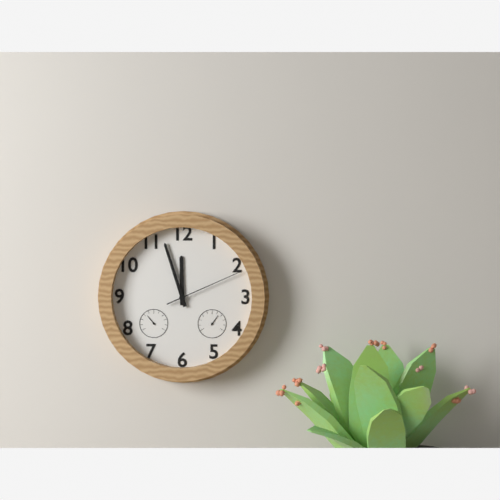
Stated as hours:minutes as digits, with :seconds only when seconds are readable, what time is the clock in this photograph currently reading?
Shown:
11:57:11
